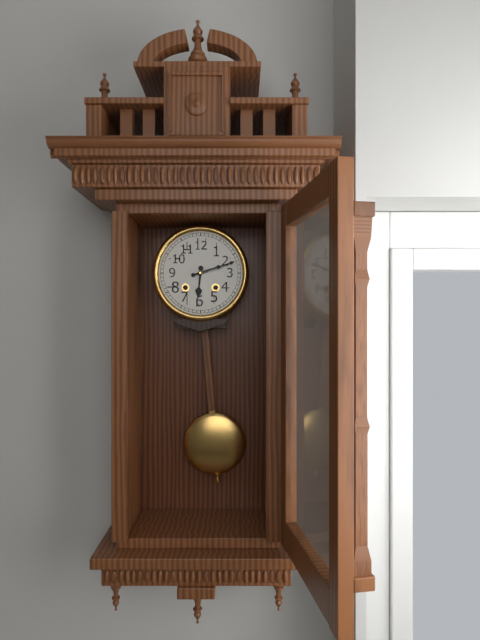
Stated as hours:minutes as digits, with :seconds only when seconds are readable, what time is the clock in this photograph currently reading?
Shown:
6:12
